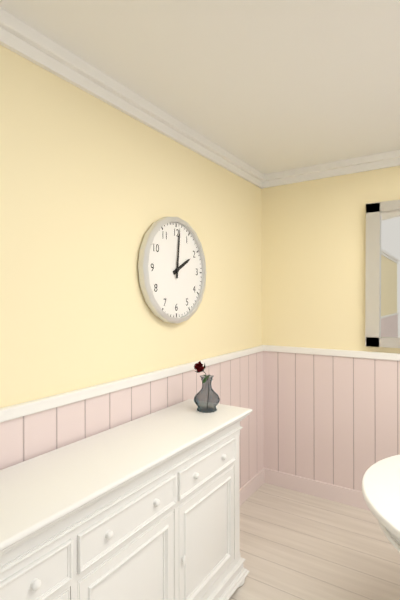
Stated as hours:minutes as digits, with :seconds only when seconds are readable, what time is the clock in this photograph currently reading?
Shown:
2:01
